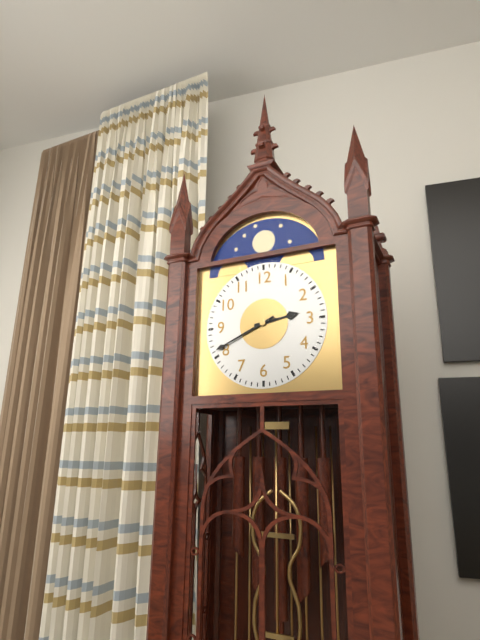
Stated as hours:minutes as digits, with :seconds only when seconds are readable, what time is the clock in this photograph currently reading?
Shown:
2:41
